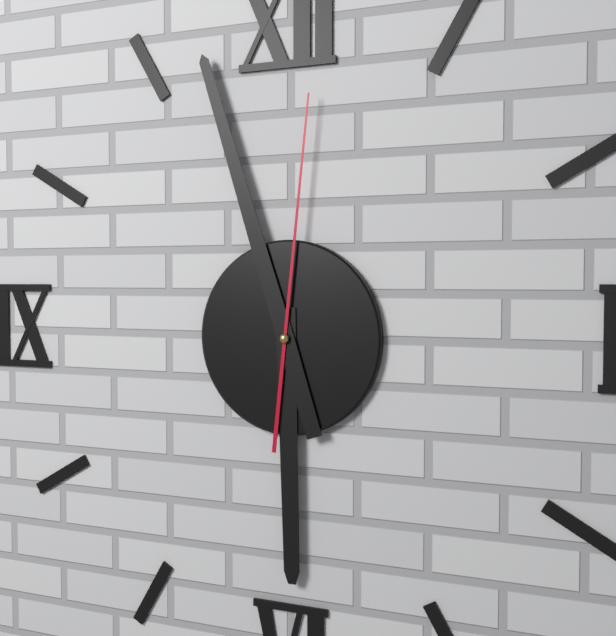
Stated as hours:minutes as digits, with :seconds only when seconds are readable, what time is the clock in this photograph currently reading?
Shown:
5:57:01
